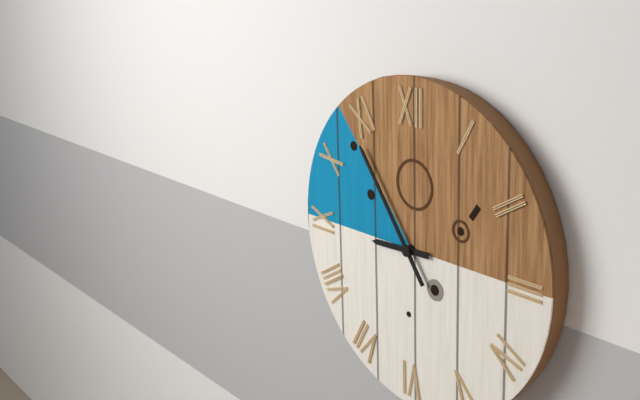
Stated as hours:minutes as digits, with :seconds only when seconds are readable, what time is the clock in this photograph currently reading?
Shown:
8:54
